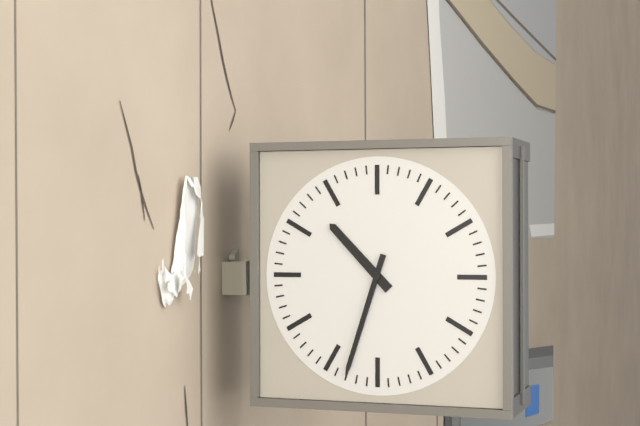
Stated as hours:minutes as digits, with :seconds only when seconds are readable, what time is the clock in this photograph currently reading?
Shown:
10:33
